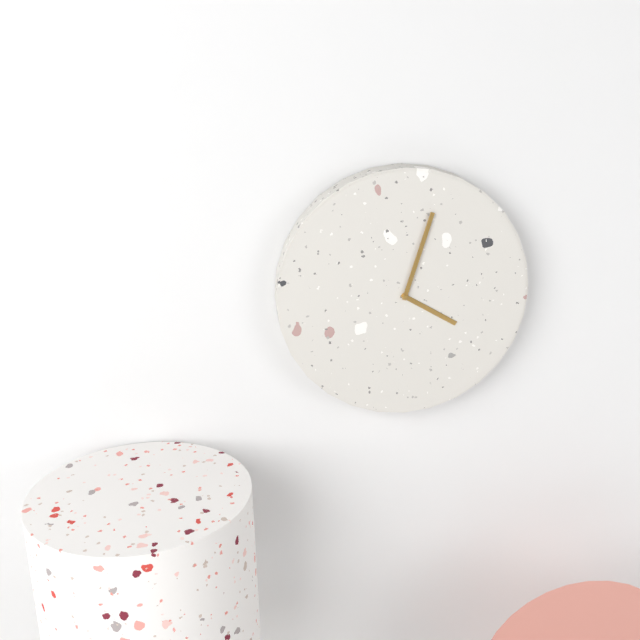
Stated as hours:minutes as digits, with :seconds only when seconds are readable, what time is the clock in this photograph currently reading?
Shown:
4:03
